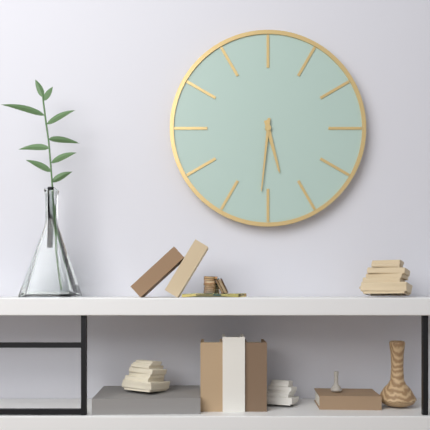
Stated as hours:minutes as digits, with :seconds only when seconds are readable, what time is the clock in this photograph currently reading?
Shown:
5:31
